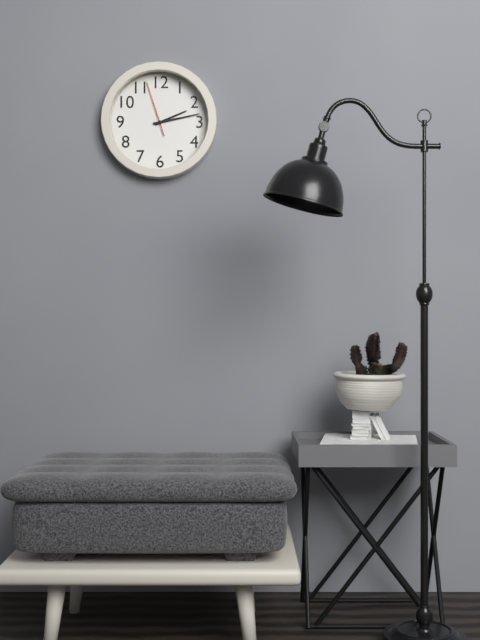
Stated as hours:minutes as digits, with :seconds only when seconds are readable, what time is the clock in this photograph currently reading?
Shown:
2:13:57
